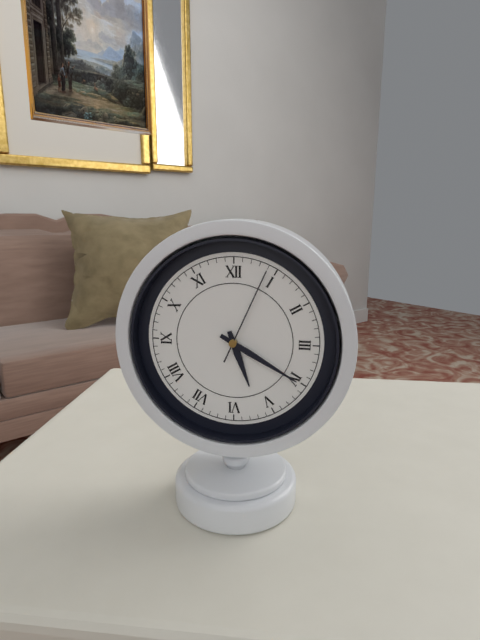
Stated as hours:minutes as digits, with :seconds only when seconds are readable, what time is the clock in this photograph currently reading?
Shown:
5:20:04
